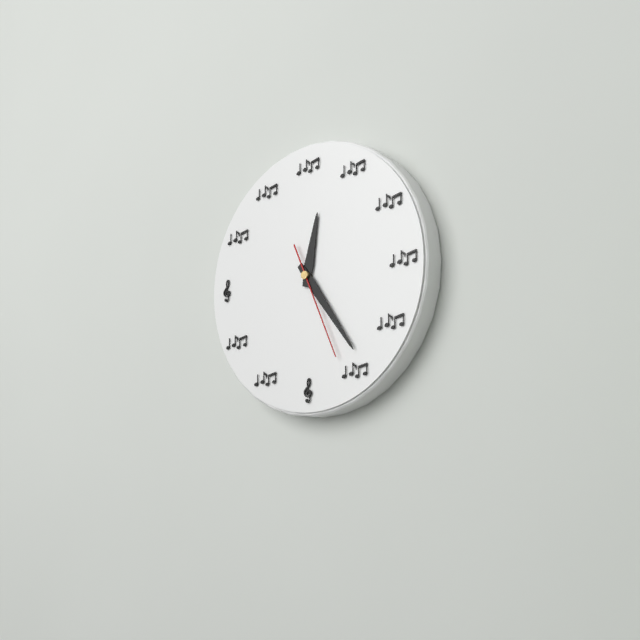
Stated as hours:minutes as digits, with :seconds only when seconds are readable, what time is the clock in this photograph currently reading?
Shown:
12:24:26
